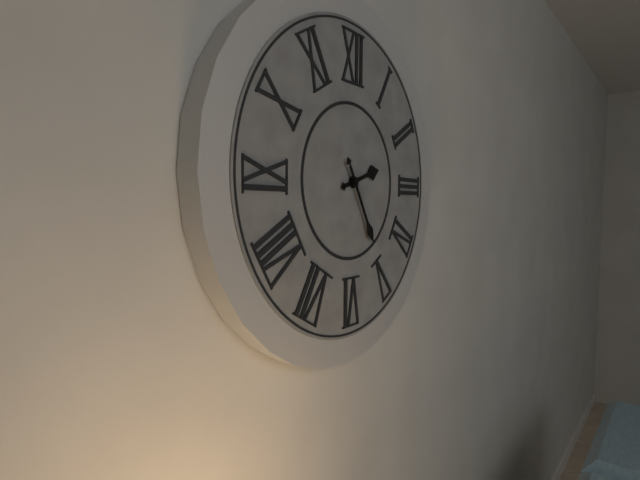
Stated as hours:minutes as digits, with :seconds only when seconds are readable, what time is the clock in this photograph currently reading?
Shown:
2:25
